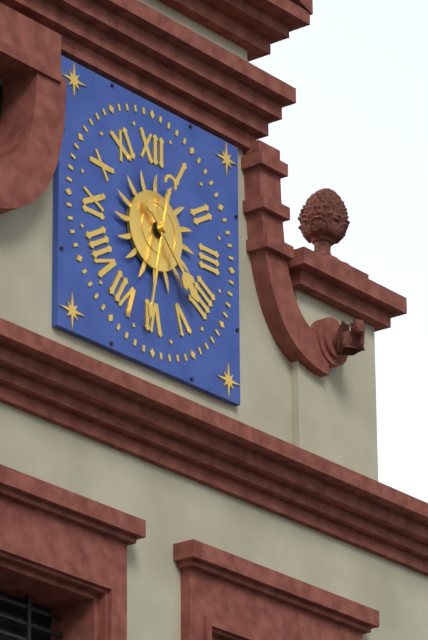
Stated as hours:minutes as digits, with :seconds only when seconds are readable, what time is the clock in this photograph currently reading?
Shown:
4:32
